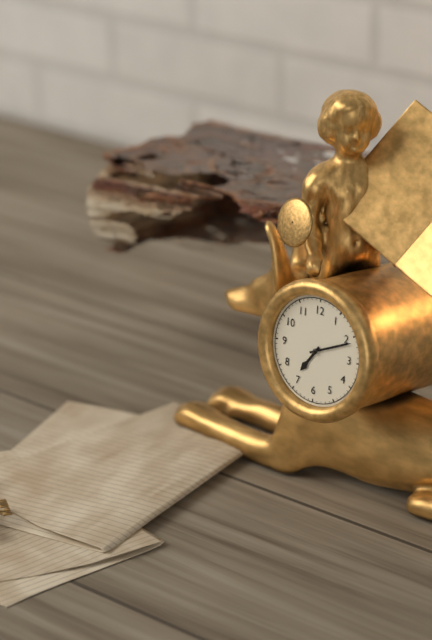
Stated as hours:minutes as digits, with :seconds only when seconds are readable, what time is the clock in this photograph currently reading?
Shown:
7:11
